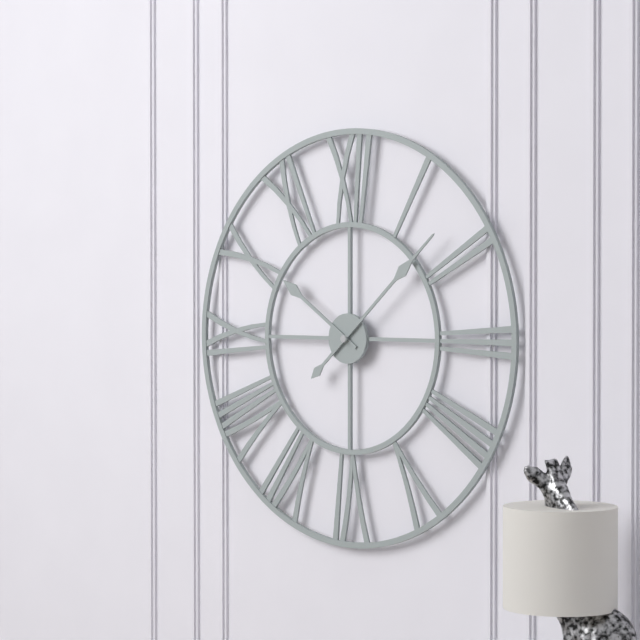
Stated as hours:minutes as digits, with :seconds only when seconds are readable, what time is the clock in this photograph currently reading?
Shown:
10:08
